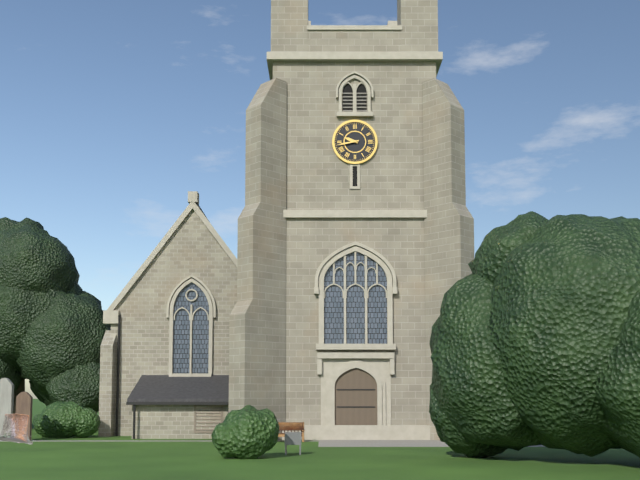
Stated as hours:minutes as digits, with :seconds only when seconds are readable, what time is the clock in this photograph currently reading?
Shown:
9:43
